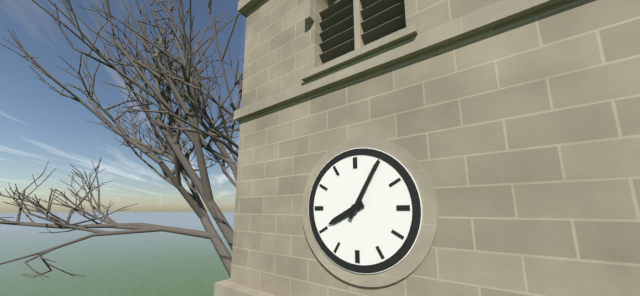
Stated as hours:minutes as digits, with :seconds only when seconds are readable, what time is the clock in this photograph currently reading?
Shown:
8:05
